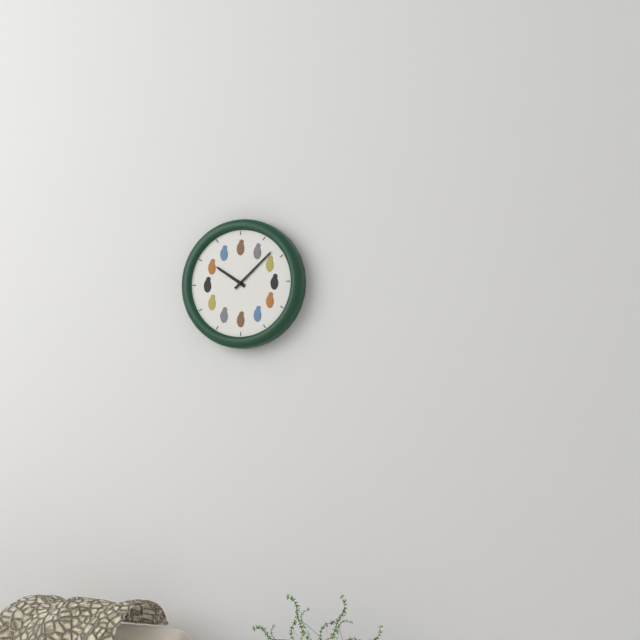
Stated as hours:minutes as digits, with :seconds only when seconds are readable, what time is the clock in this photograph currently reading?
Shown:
10:08
